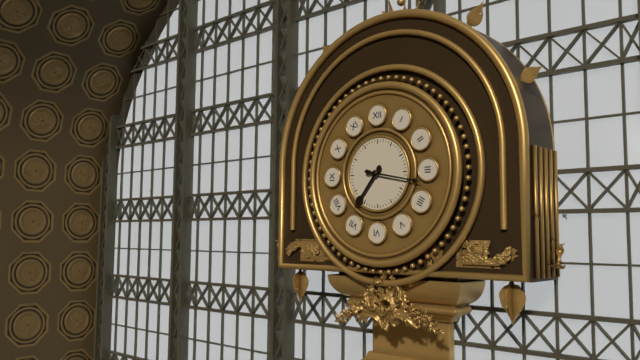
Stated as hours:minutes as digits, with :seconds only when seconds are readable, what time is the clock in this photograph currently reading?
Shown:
7:17
